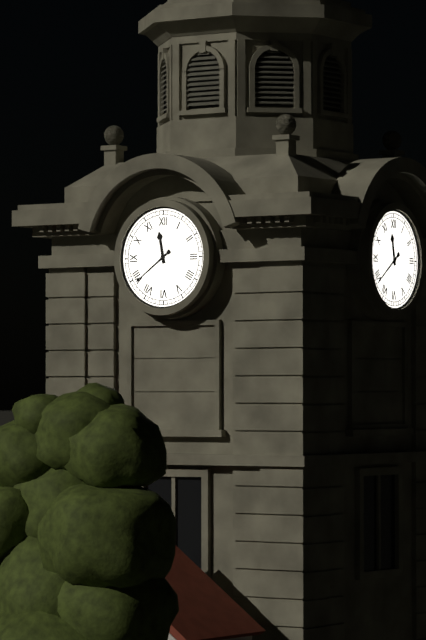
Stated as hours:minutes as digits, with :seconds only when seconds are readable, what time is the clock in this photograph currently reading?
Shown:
11:39
